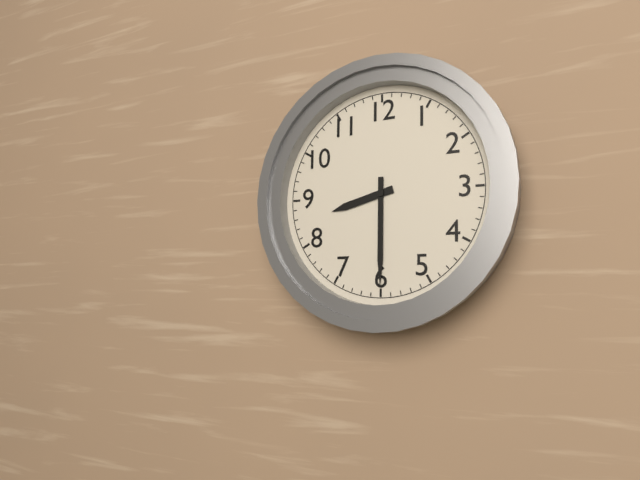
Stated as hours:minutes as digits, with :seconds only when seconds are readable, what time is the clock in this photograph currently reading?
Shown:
8:30
